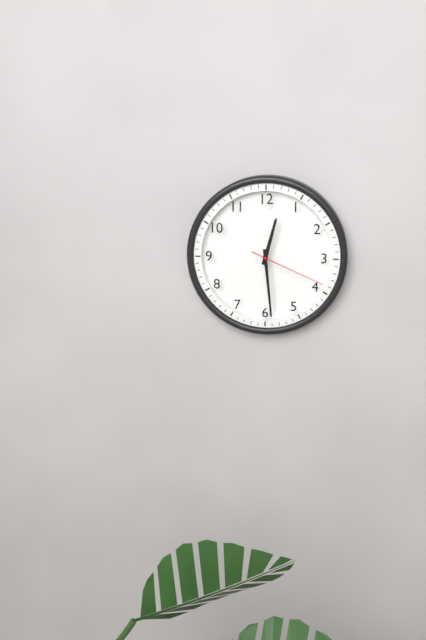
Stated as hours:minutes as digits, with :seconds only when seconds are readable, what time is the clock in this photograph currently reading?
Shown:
12:29:19
